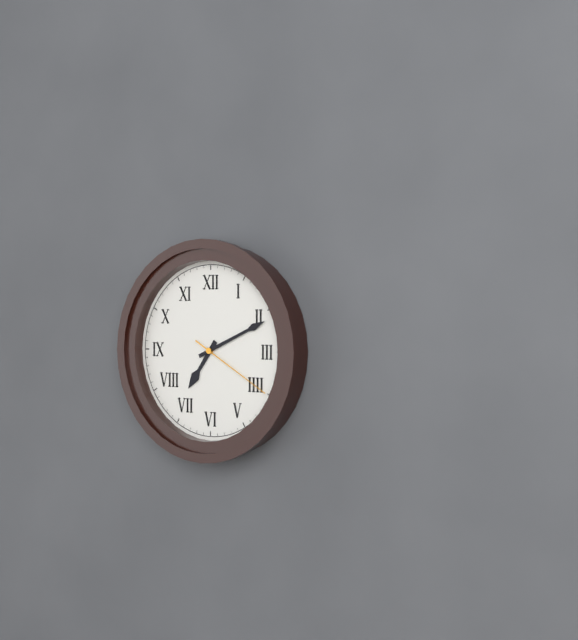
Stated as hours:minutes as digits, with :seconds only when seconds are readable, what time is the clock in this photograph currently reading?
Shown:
7:11:20
